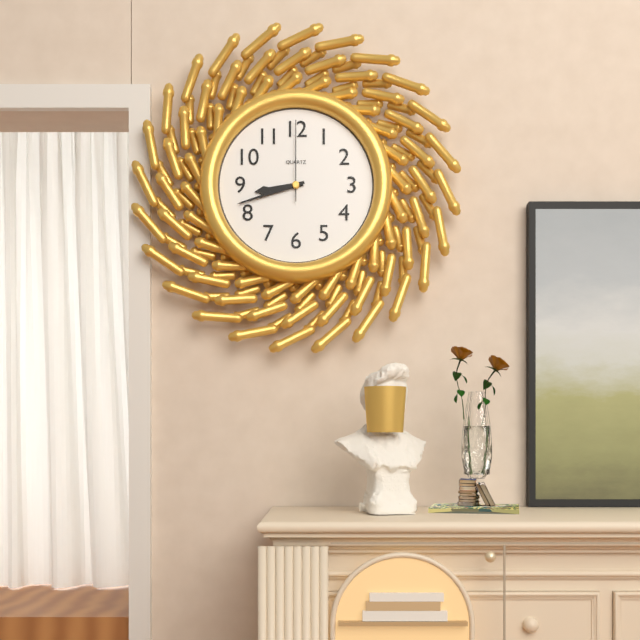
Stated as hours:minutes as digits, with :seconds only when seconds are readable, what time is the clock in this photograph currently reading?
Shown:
8:42:00
